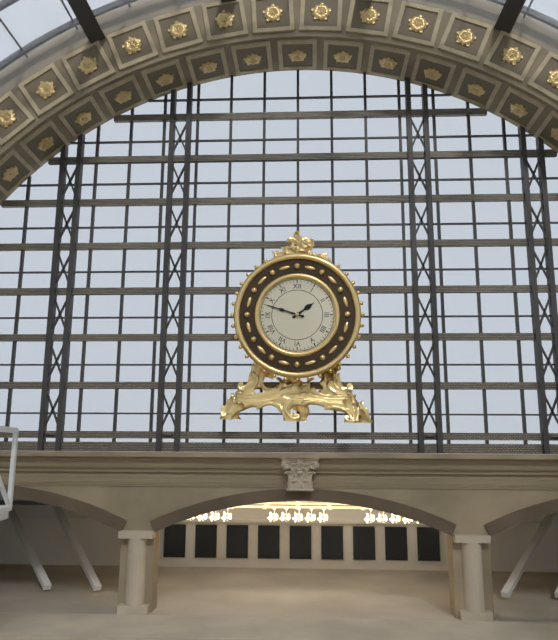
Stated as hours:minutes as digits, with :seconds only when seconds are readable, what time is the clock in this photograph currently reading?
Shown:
1:48
